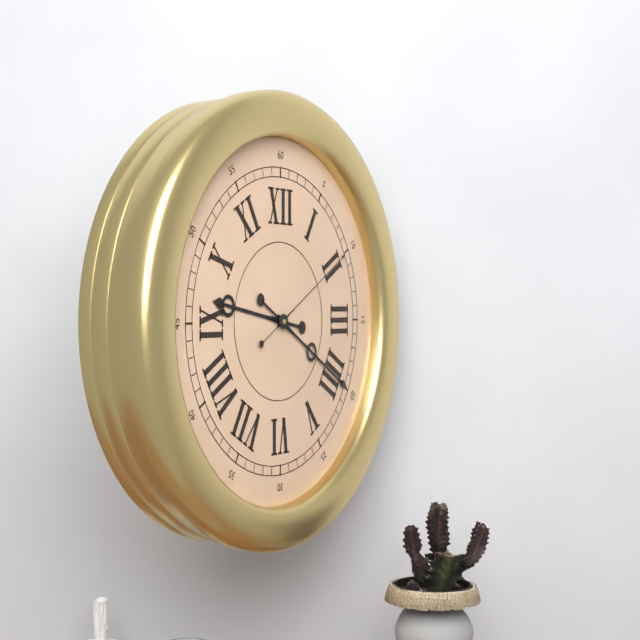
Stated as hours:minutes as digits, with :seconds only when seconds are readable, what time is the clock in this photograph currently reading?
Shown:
9:20:10
